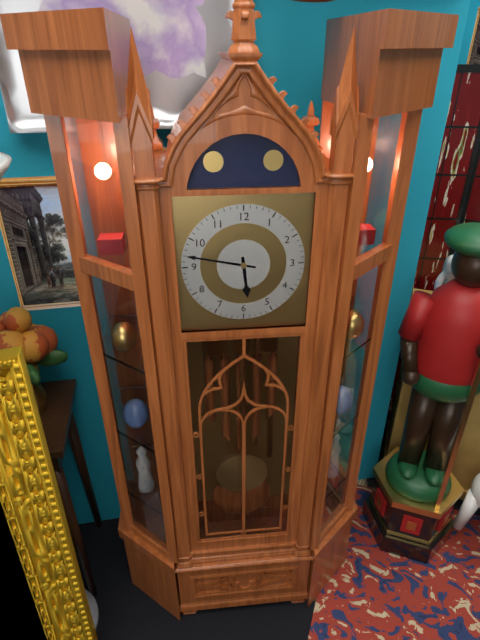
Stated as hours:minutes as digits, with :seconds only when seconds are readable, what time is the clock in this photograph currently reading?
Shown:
5:47
